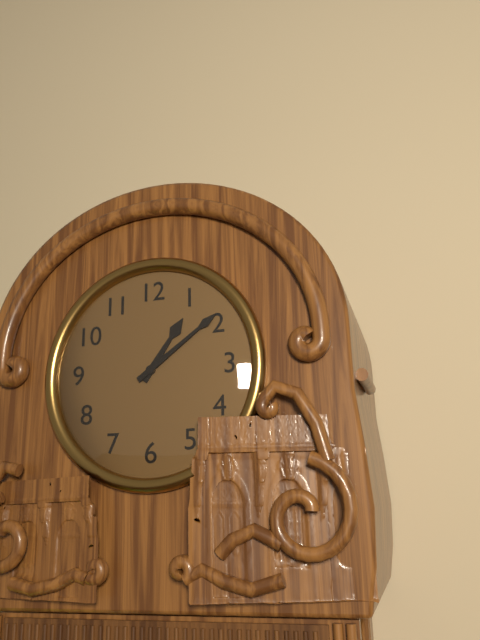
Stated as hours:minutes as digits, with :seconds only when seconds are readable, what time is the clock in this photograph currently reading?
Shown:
1:09
